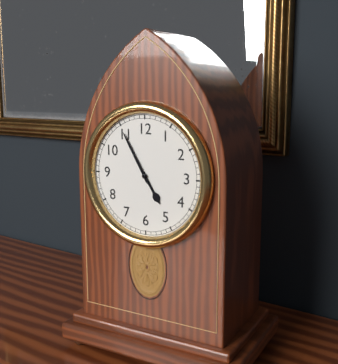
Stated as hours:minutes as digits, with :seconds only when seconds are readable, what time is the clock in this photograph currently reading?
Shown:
4:55
